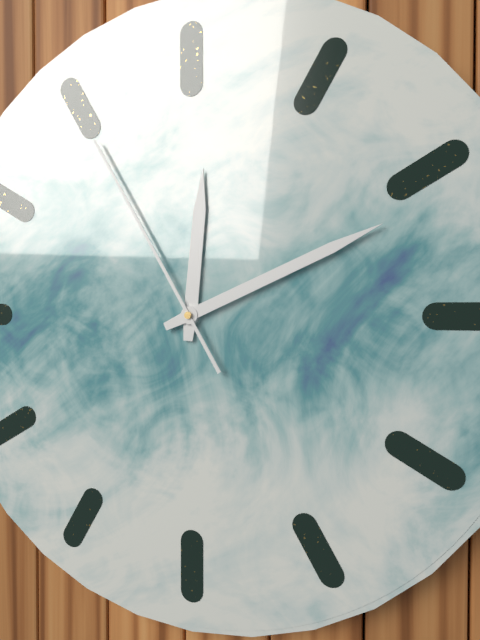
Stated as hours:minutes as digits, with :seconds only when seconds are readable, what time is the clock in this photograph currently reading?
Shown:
12:11:55
